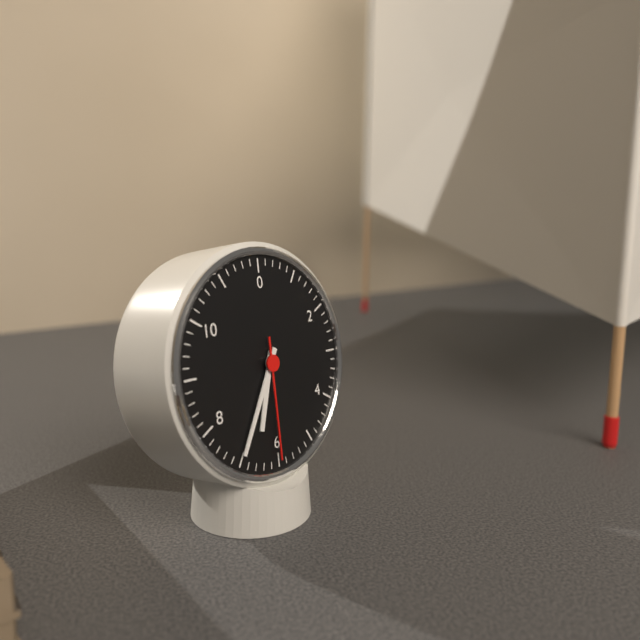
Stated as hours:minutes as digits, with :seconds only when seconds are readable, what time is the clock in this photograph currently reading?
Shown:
6:35:30
